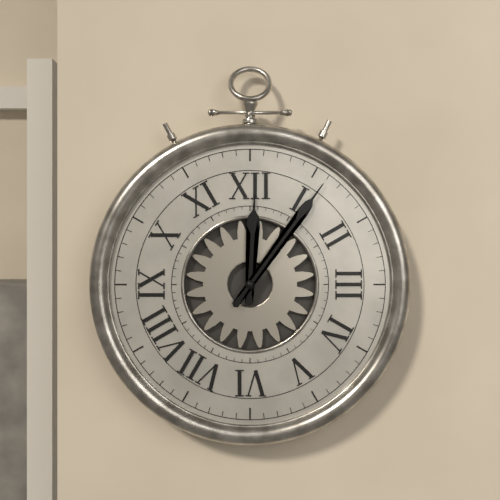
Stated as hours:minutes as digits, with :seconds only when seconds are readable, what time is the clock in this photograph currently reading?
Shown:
12:06
